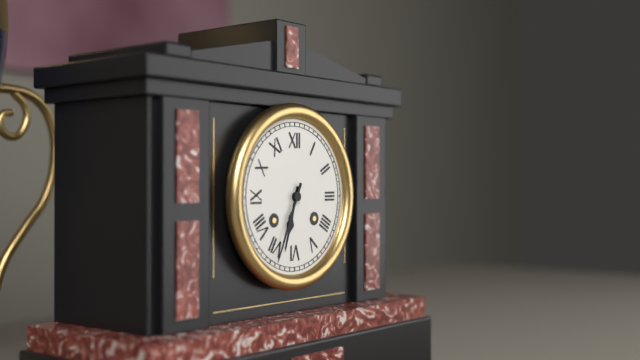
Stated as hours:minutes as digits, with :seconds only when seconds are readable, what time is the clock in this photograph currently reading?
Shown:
6:34
